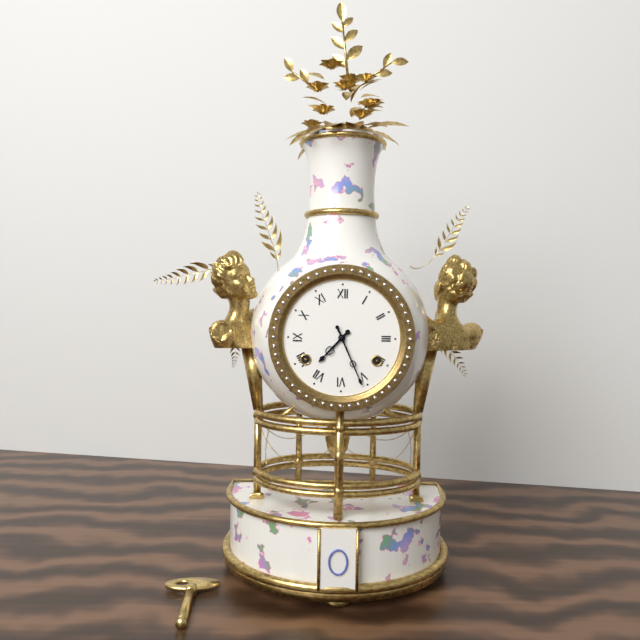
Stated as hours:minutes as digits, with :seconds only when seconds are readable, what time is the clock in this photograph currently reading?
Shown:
7:26
